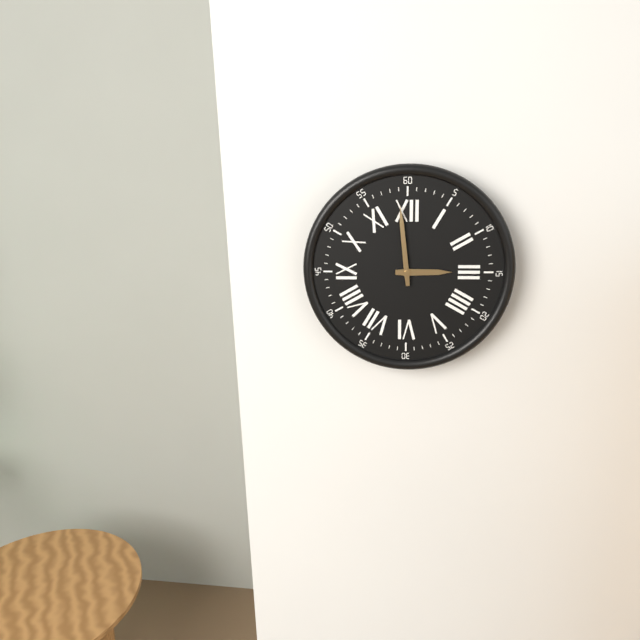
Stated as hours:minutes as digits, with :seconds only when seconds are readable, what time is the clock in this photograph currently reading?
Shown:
2:59
